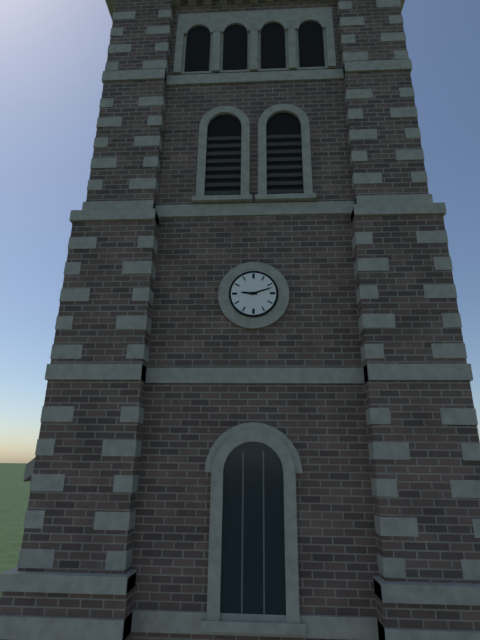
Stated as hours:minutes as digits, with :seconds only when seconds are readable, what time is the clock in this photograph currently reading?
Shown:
9:12
